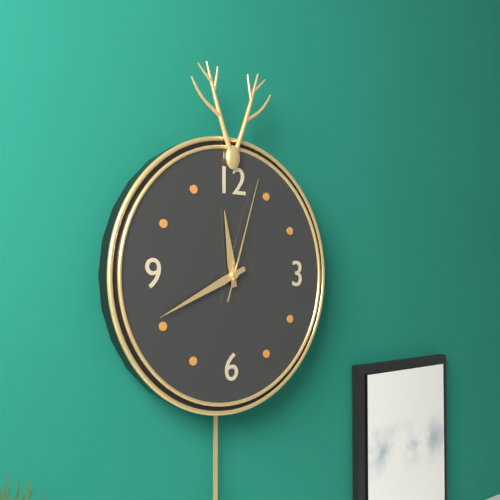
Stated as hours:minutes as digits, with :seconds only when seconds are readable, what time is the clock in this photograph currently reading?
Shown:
11:41:03
